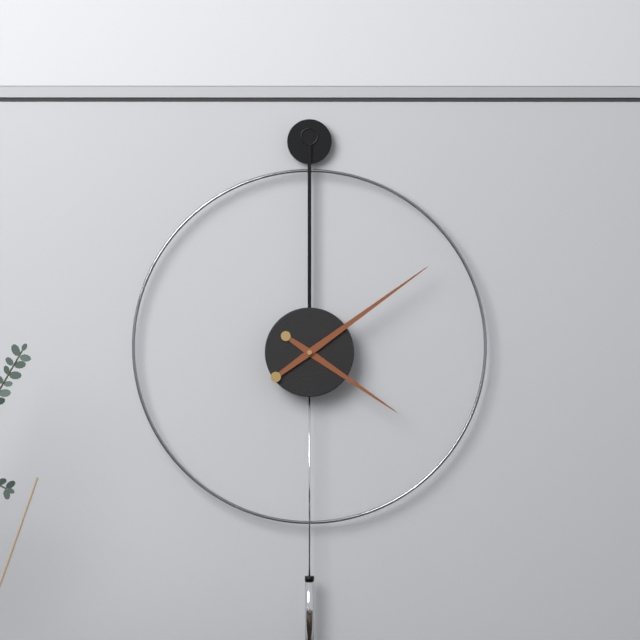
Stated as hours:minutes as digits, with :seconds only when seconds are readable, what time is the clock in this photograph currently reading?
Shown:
4:09
